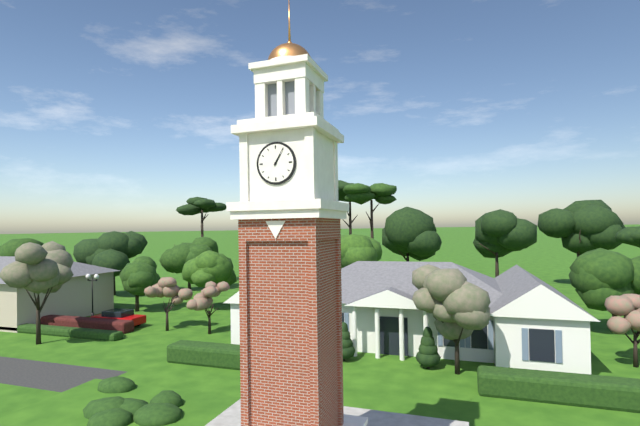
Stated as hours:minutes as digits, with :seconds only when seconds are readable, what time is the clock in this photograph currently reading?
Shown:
1:05
